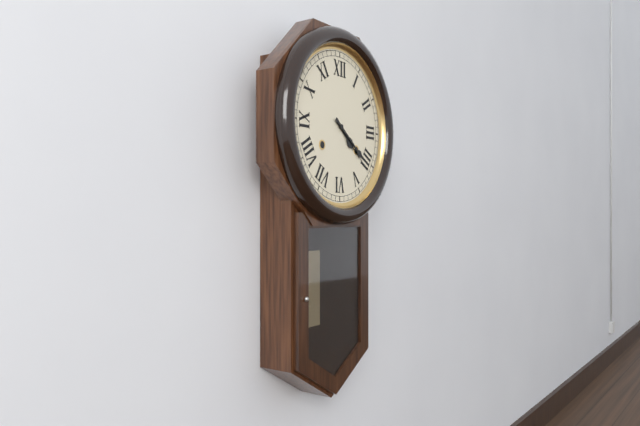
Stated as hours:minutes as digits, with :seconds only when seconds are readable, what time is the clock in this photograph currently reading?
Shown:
4:21
